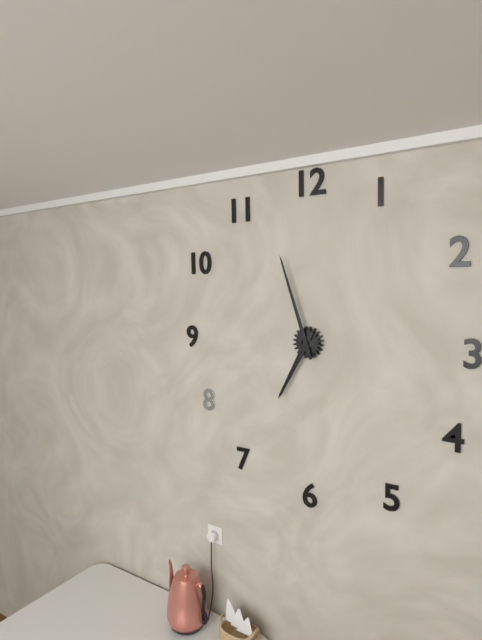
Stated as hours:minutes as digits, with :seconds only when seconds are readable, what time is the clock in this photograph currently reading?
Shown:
6:57
